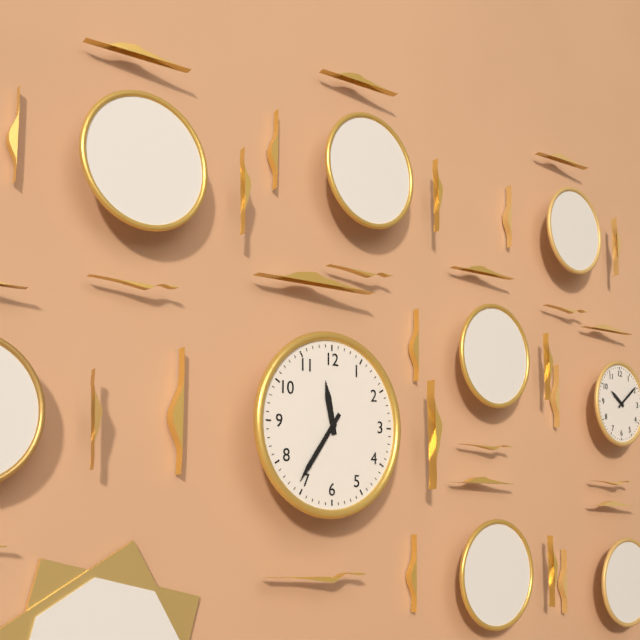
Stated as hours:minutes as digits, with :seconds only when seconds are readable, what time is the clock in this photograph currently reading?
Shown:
11:36
